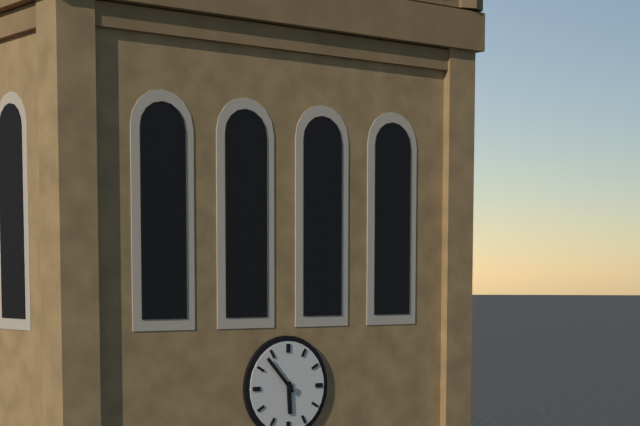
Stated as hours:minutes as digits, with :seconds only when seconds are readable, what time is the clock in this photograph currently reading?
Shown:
5:53
